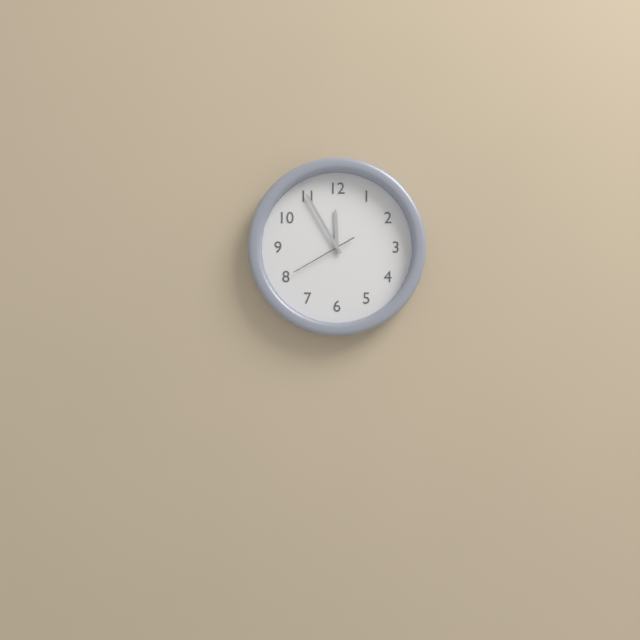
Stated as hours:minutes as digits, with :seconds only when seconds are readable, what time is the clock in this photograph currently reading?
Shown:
11:55:40
